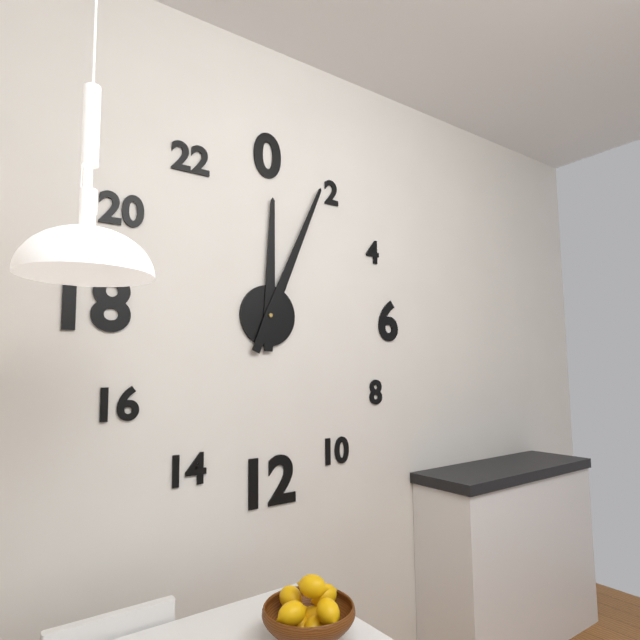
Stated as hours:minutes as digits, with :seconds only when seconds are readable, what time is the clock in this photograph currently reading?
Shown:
12:04
